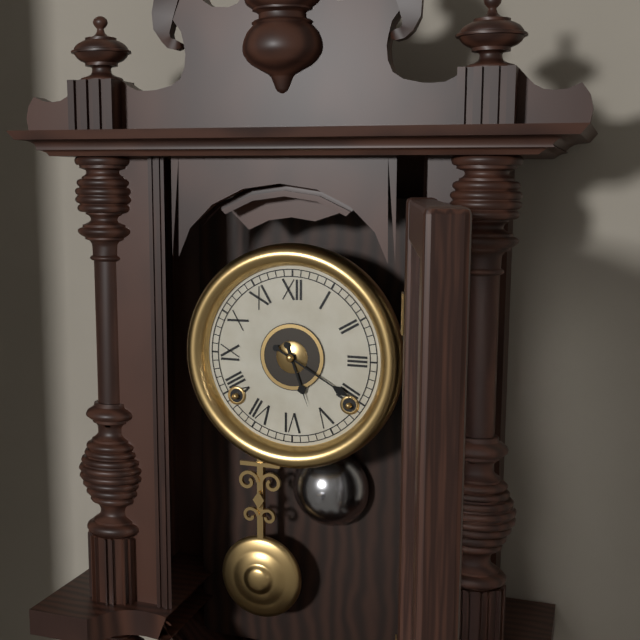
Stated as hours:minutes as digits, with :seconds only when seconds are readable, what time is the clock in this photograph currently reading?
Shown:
5:20
